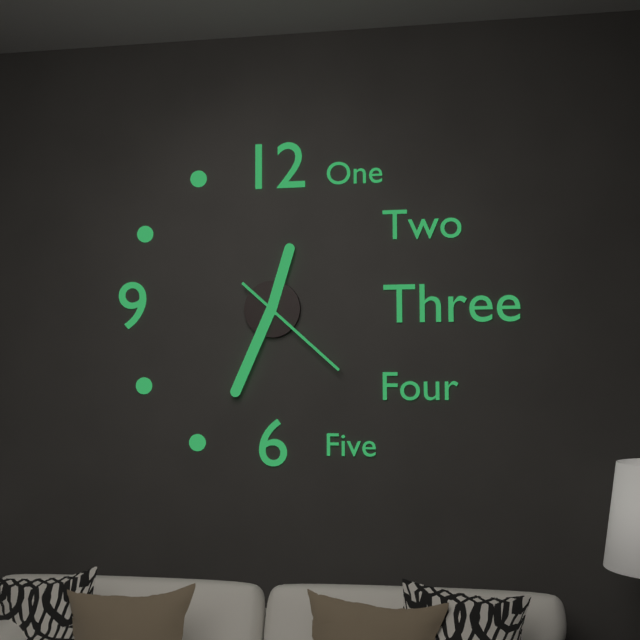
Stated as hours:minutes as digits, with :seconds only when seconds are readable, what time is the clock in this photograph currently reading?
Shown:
12:34:22
